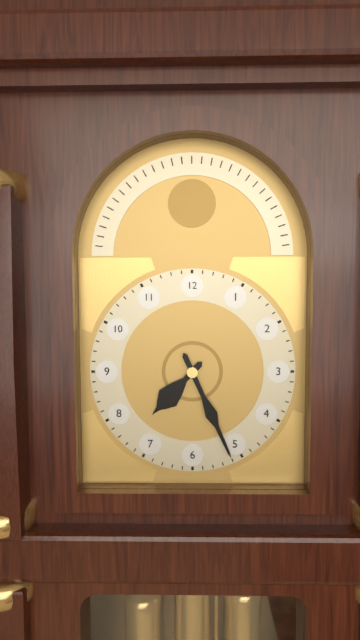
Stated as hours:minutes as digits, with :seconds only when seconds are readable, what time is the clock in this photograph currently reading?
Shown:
7:26
